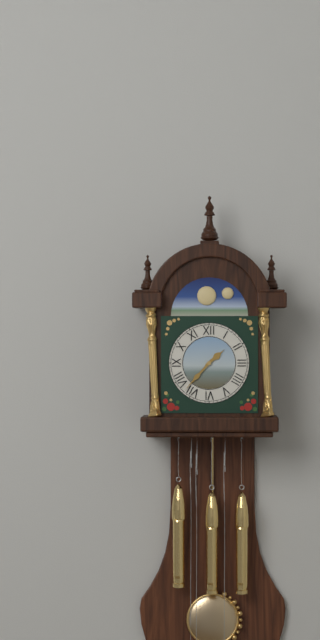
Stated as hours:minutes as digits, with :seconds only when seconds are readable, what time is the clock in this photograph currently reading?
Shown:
1:37
